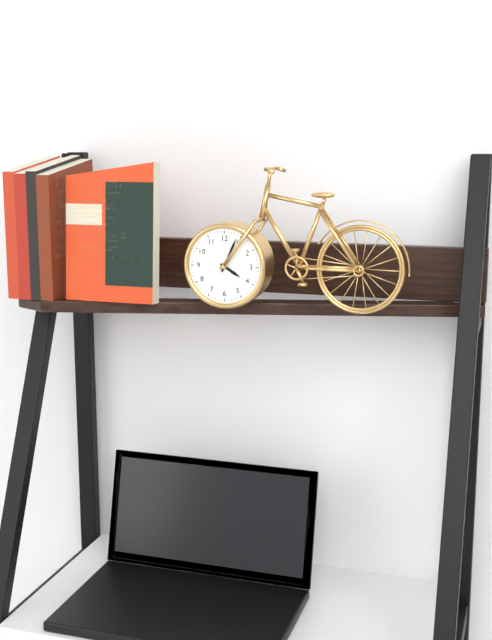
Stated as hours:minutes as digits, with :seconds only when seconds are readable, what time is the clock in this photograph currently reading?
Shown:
4:04
